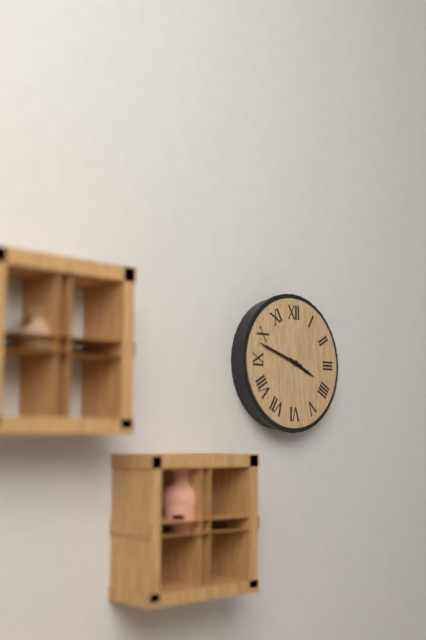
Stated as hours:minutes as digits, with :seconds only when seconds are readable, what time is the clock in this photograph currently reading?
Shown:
3:48
